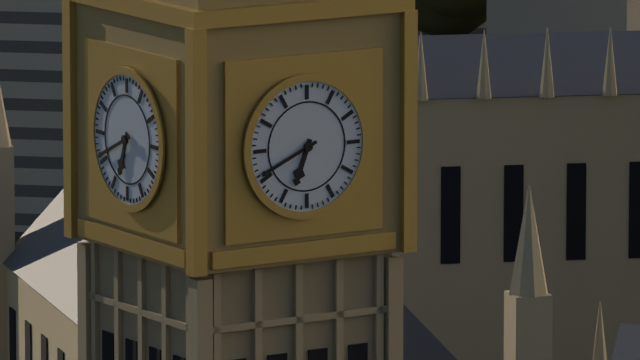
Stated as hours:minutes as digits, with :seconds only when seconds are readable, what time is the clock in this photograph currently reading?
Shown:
6:41
